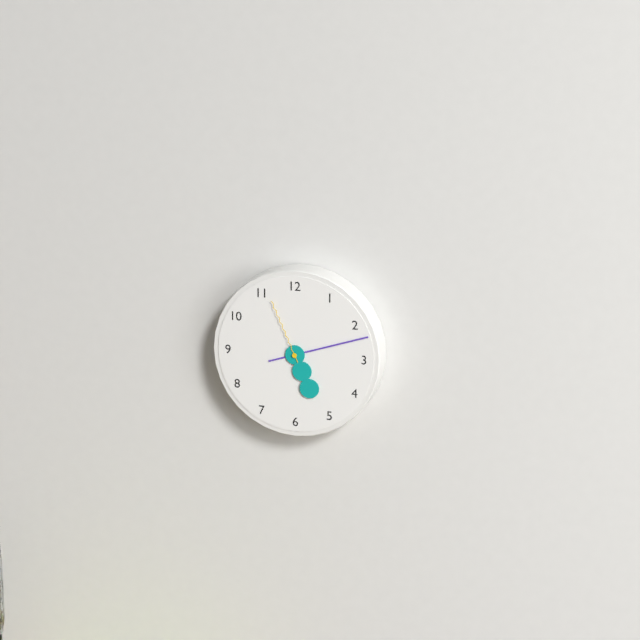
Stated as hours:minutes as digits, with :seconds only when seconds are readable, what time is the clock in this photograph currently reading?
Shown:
5:12:56
